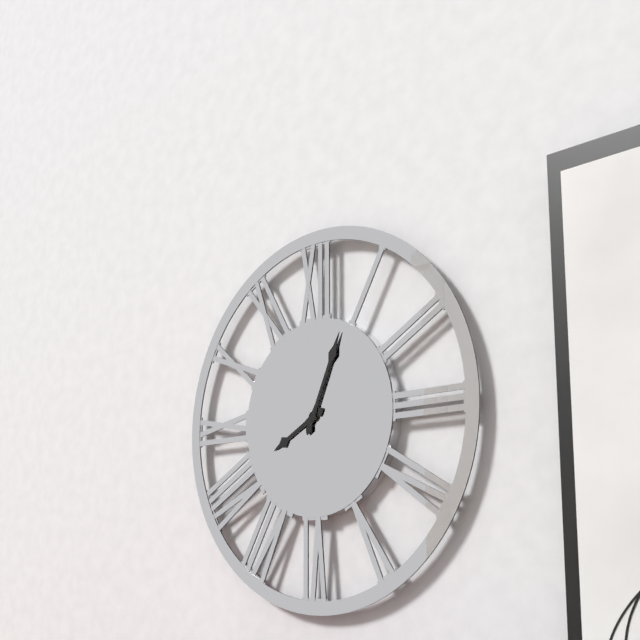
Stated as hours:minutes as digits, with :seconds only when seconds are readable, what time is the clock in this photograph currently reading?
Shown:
8:04
